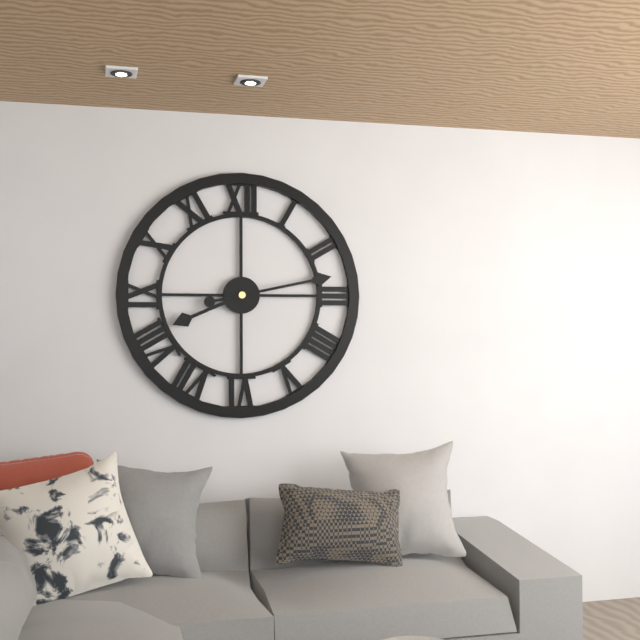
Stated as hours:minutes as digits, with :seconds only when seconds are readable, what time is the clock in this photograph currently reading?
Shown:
8:13
